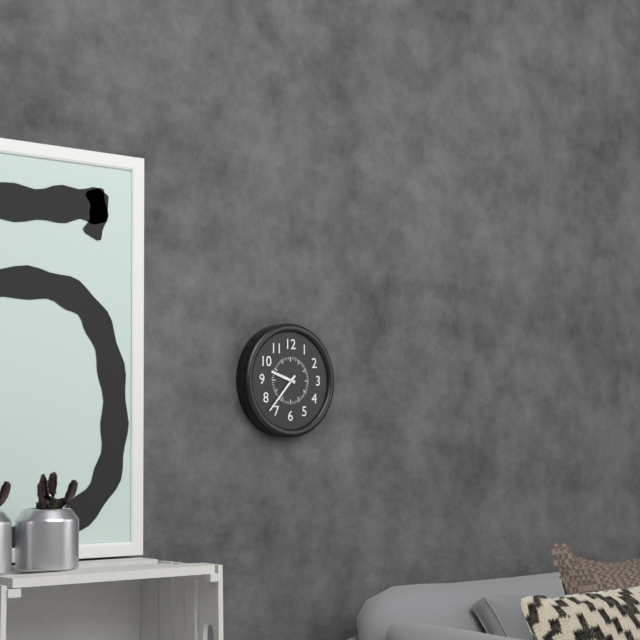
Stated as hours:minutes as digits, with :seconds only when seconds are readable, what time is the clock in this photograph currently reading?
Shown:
9:37
